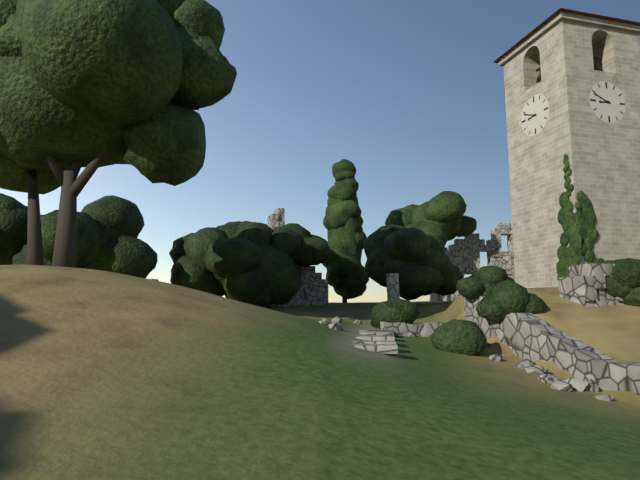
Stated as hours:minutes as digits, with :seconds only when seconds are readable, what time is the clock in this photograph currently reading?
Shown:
8:49
